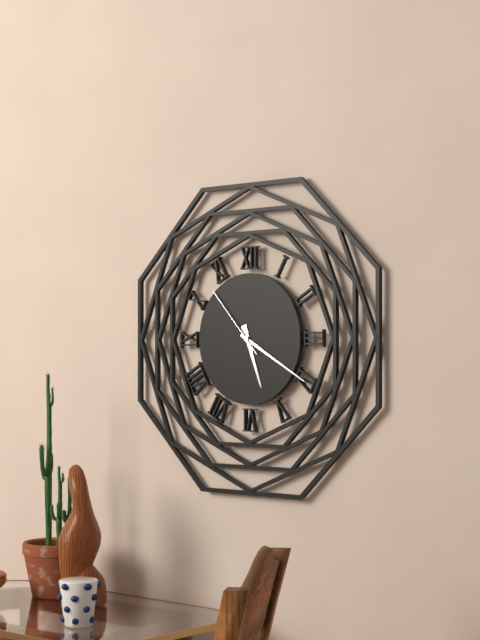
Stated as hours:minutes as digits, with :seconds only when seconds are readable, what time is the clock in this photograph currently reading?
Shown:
5:20:53
